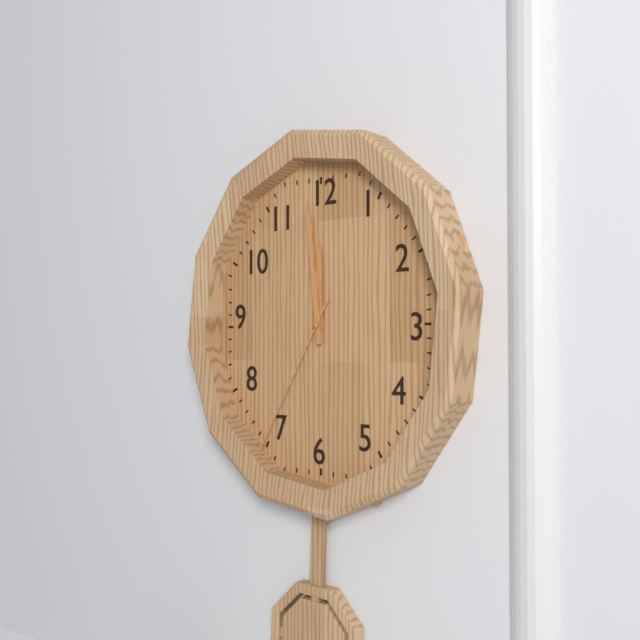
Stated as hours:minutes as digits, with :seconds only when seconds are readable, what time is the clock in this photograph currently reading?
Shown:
11:59:35
